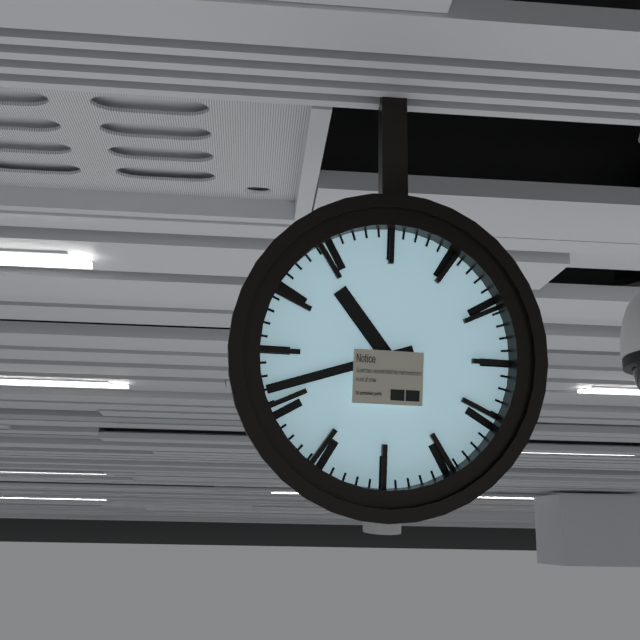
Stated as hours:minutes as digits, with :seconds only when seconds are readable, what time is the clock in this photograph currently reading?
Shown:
10:42
